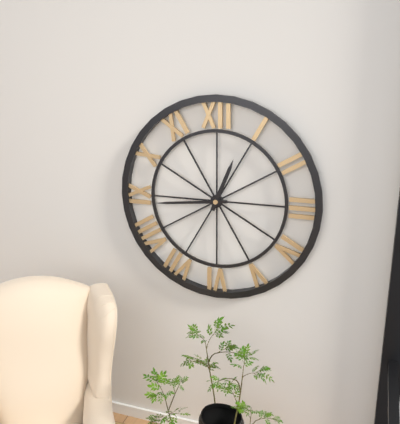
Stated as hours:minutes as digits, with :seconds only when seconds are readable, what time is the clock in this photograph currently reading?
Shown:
12:44
